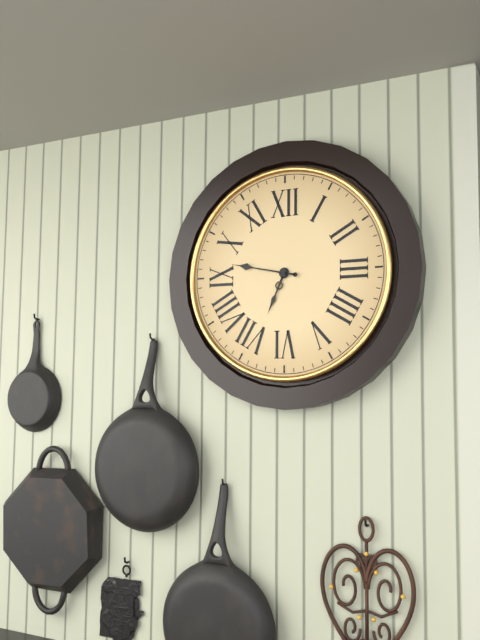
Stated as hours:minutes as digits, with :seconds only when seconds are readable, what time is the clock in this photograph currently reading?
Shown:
6:47
